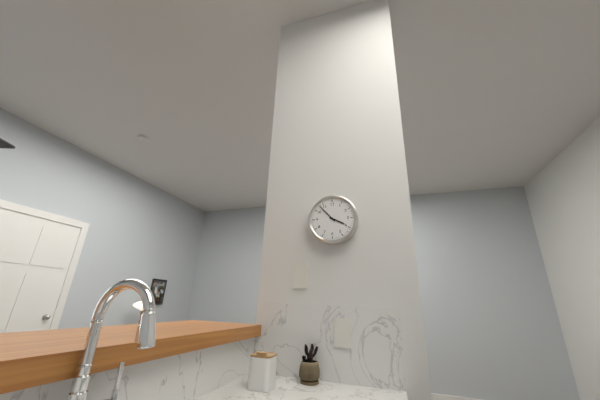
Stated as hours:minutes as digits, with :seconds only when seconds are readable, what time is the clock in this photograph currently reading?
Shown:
3:53
